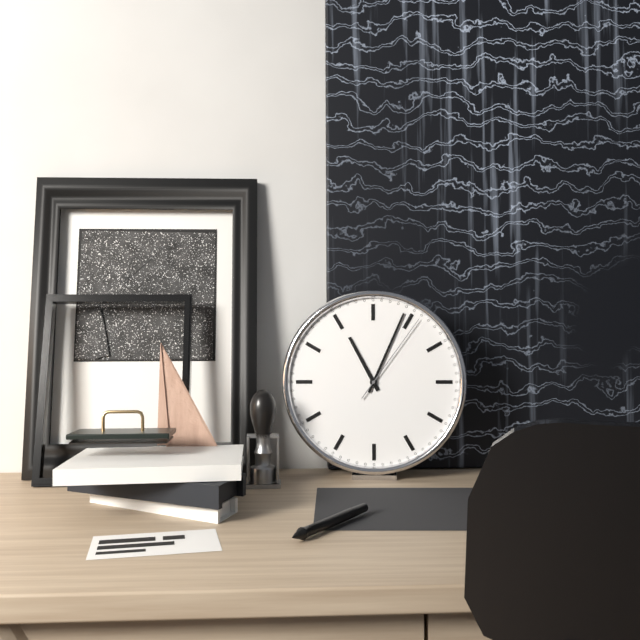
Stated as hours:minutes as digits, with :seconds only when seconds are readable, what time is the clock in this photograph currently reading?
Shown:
11:04:06
